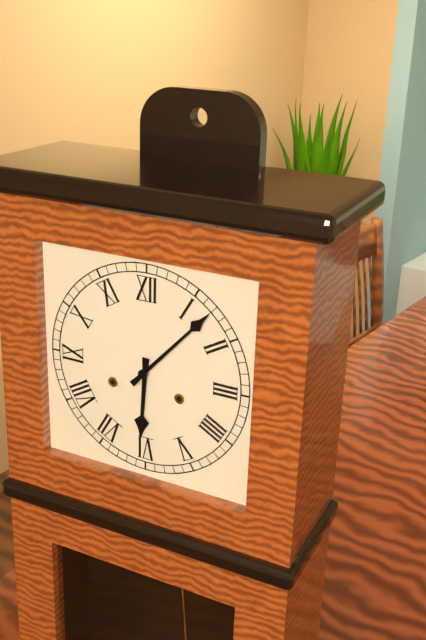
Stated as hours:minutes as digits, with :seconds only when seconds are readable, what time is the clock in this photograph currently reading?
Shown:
6:07
